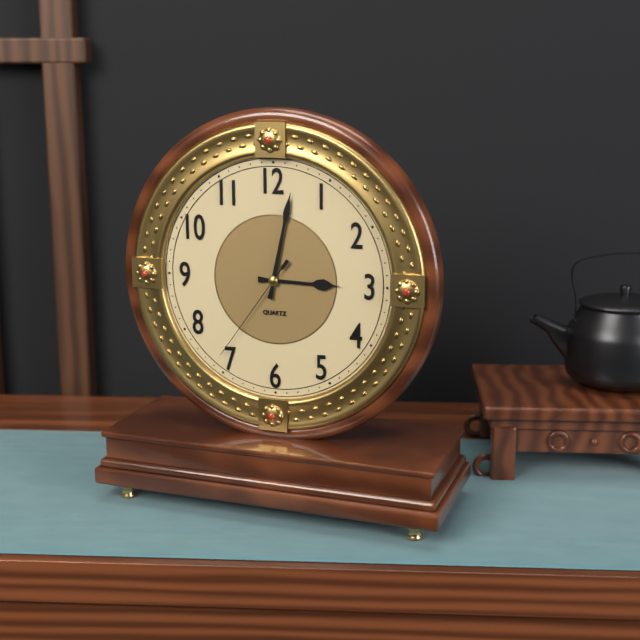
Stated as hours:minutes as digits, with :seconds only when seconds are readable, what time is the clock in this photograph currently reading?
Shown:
3:02:36
